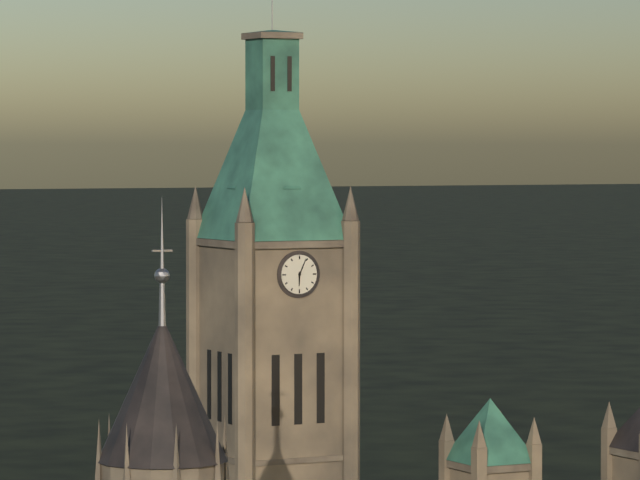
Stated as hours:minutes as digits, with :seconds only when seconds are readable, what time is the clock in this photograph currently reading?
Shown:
6:04
